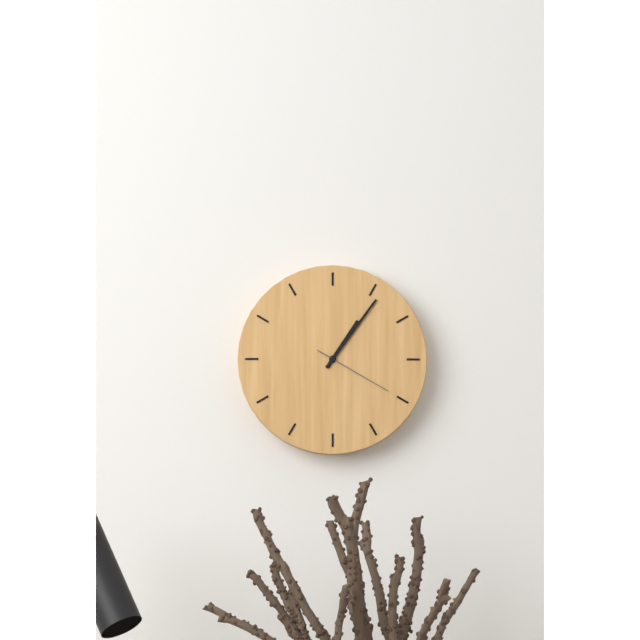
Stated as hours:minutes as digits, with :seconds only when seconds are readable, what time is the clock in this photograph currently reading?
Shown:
1:06:20
